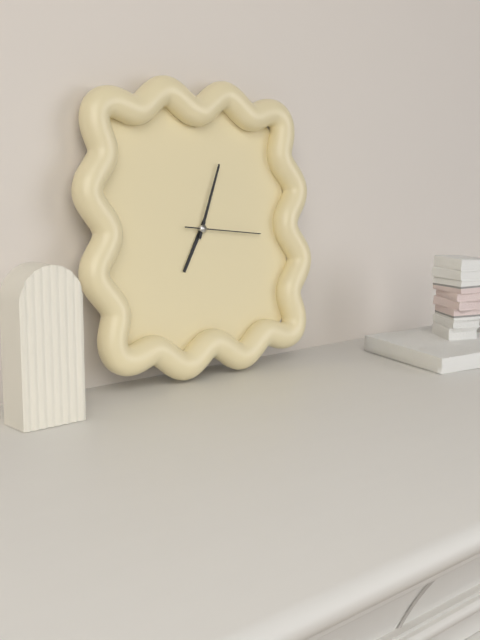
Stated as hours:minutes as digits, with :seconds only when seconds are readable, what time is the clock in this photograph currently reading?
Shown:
7:04:16
